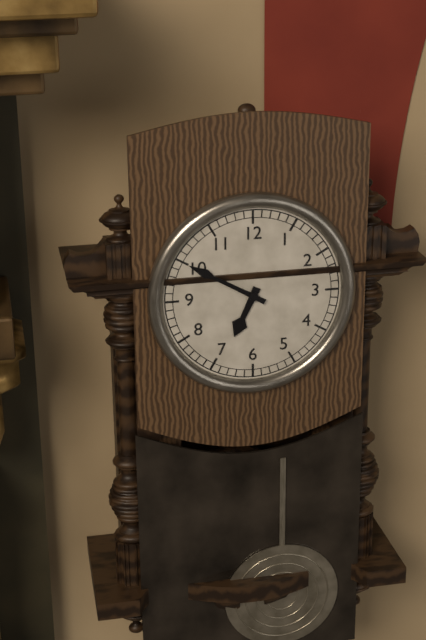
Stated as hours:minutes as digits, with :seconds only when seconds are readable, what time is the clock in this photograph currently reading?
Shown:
6:50
